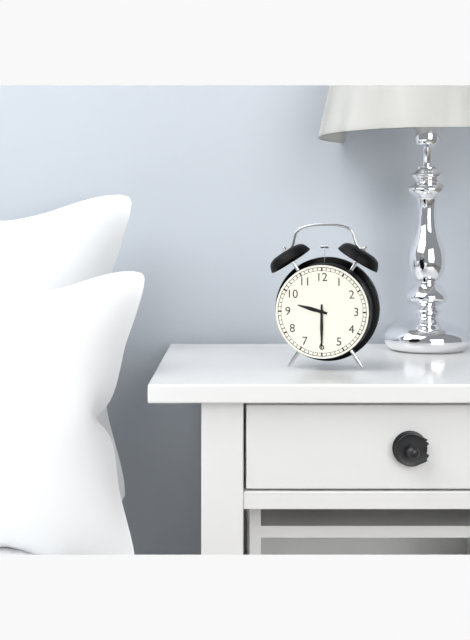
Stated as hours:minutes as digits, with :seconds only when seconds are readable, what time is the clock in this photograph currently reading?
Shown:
9:30
